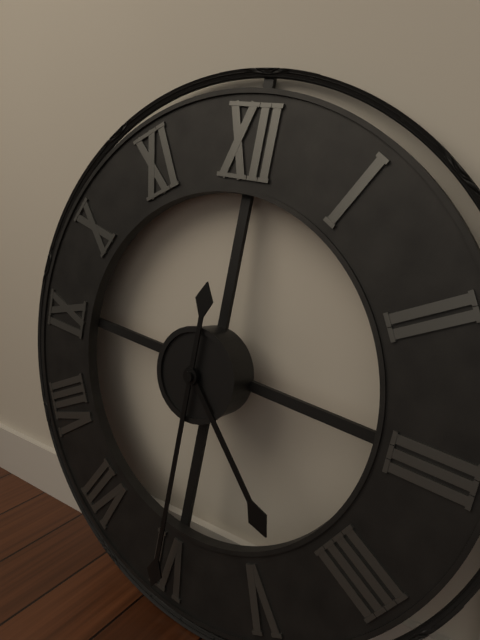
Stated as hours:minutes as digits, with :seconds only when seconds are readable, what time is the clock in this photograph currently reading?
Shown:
4:30
